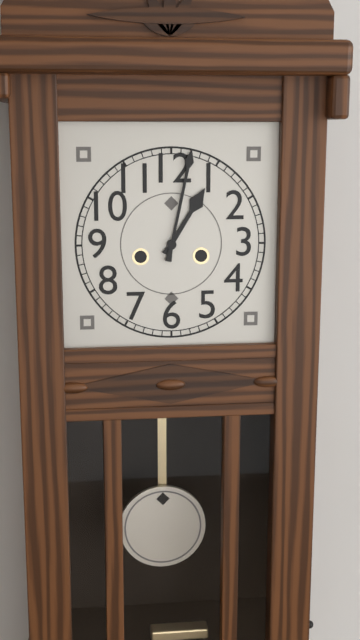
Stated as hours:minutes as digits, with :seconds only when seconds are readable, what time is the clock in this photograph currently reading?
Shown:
1:02
